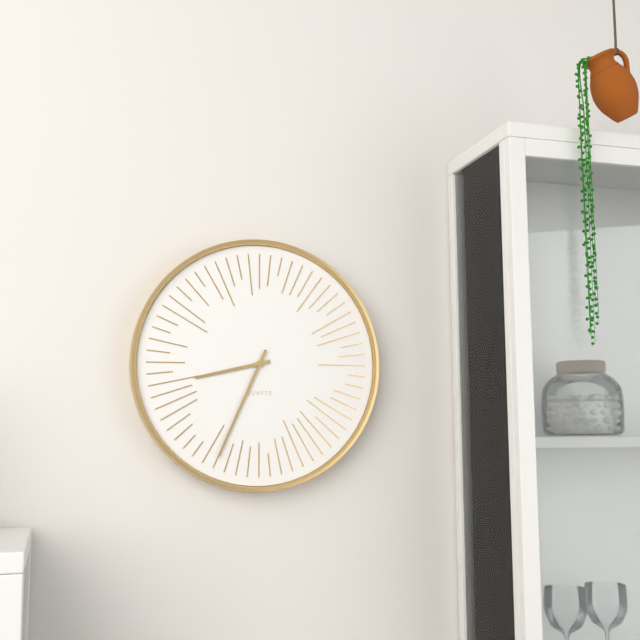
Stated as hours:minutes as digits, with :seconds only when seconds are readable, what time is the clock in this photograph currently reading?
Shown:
8:34
